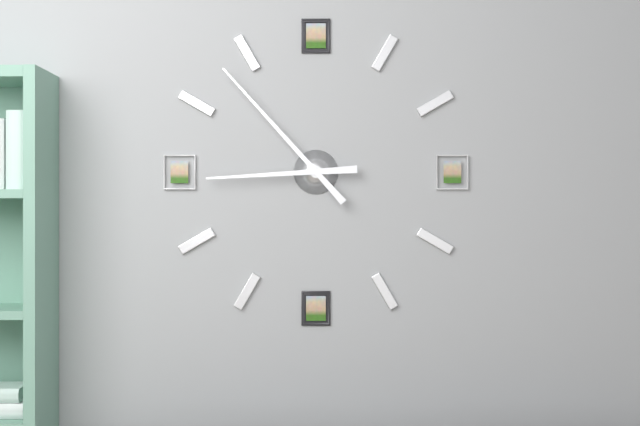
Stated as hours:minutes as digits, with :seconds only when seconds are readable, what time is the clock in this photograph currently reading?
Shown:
8:53
